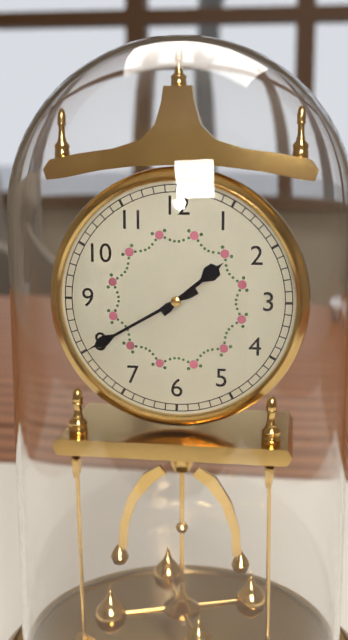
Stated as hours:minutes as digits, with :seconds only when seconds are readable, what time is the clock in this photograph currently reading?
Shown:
1:40
